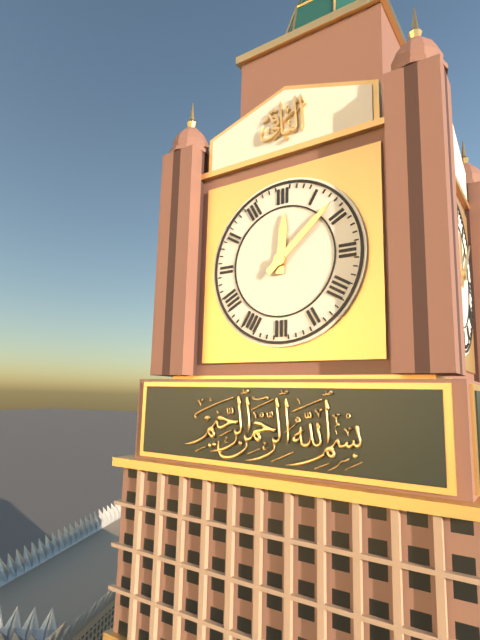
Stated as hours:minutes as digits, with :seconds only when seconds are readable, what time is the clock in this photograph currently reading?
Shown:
12:08
